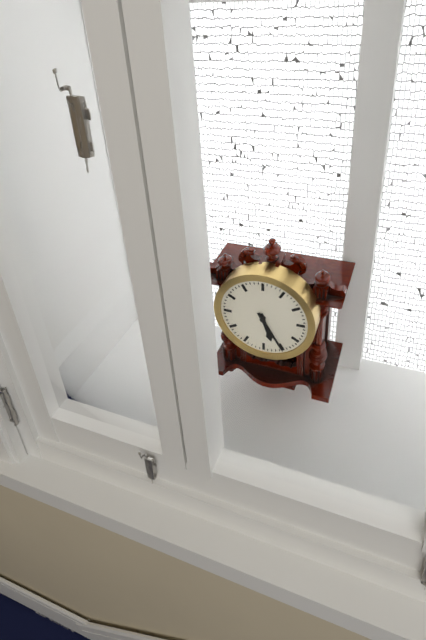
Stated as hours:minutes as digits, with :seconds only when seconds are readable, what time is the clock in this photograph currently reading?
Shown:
5:25
